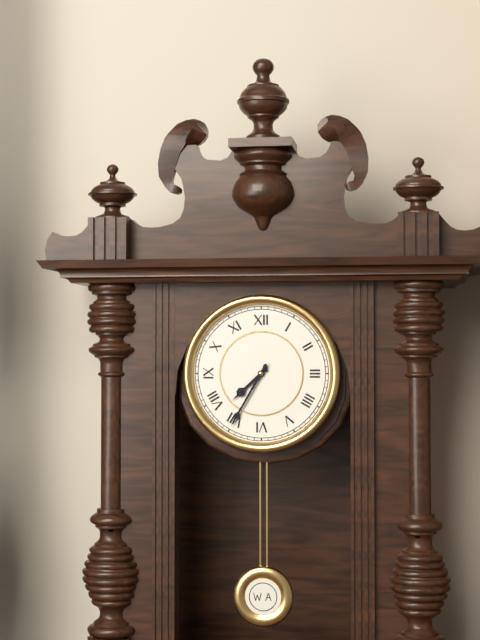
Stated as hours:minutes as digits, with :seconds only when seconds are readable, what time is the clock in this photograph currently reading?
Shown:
7:35
